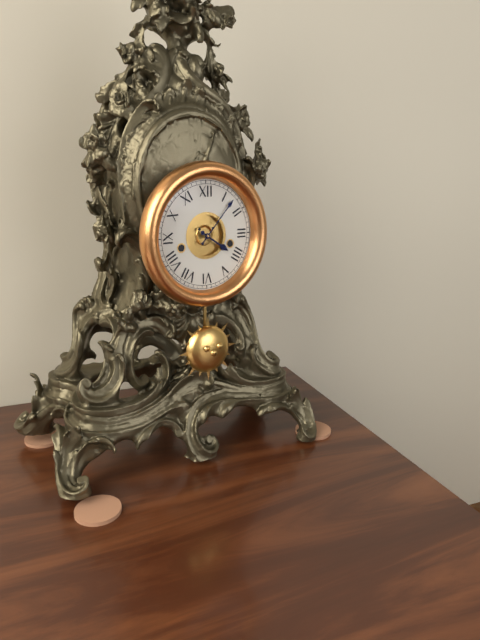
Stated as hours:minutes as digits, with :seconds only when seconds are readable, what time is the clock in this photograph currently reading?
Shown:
4:07
